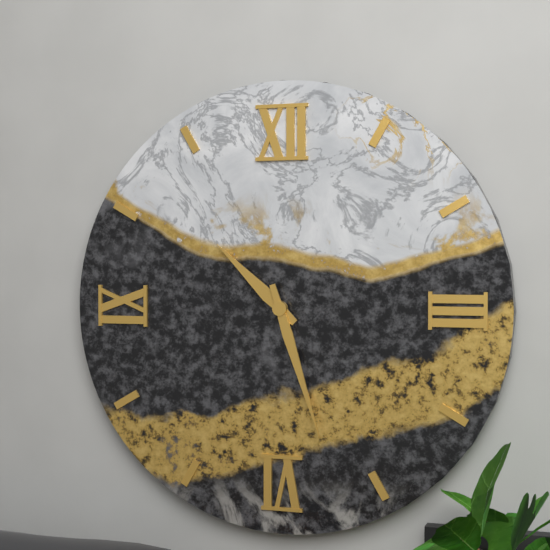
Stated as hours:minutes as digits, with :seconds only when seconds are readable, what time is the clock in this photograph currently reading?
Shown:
10:27
